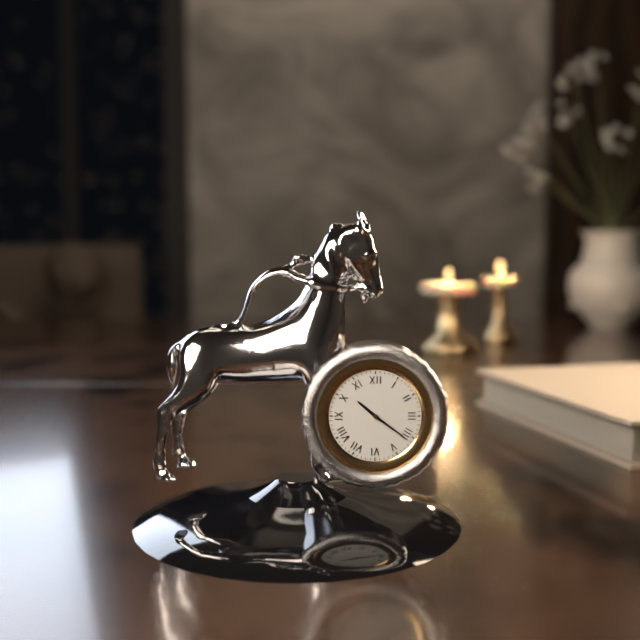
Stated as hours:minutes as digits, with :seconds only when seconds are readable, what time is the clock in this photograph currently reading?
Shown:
10:21
